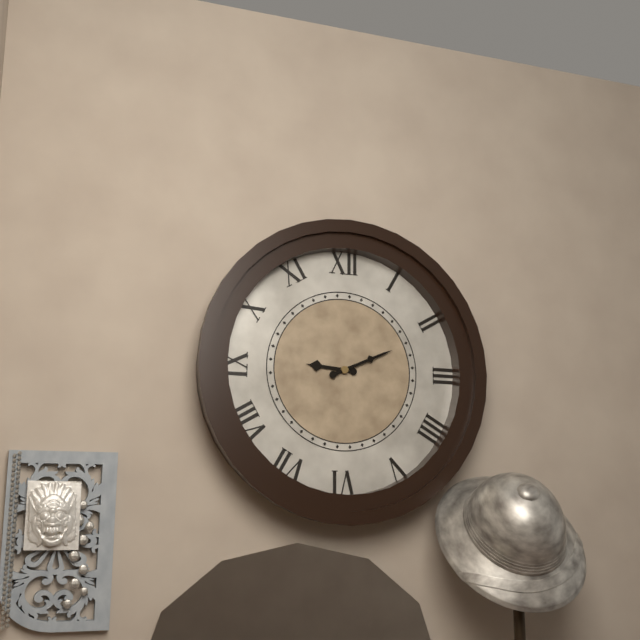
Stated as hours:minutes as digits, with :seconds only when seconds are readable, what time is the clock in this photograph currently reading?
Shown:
9:11
